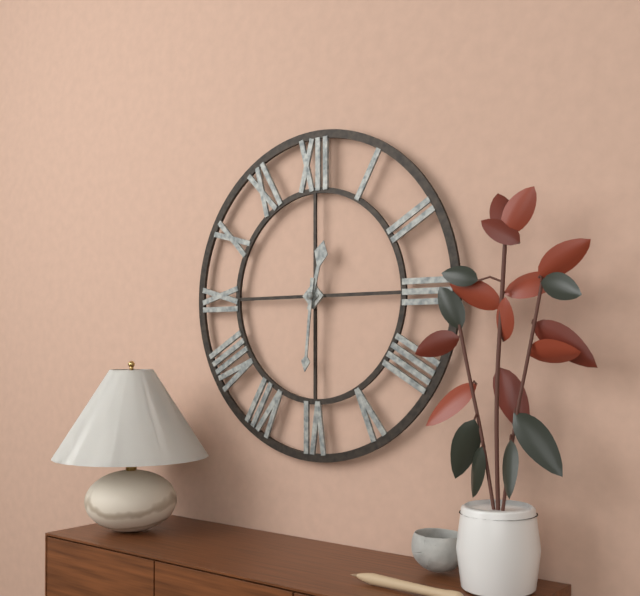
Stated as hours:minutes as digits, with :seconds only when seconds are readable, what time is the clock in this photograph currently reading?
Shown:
12:31
